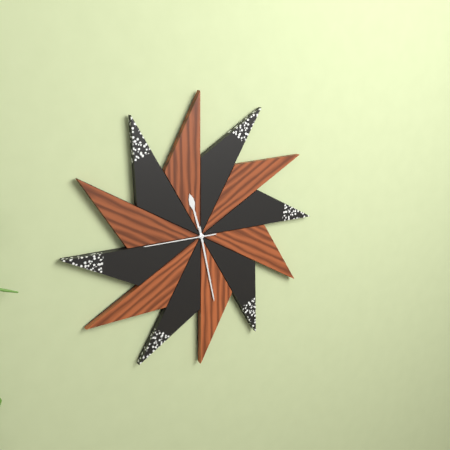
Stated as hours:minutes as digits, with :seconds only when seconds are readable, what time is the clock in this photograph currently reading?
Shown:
11:28:45
